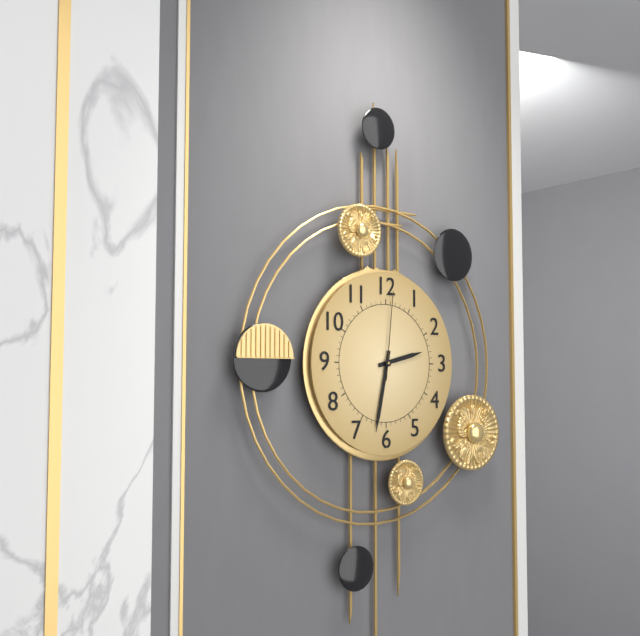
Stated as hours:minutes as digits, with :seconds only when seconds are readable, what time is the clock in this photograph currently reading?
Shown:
2:32:01
